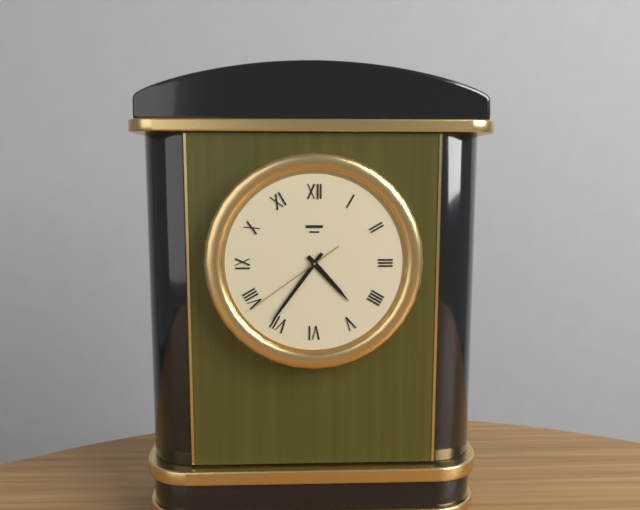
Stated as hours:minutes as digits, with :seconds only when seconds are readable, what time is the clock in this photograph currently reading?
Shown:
4:36:39
